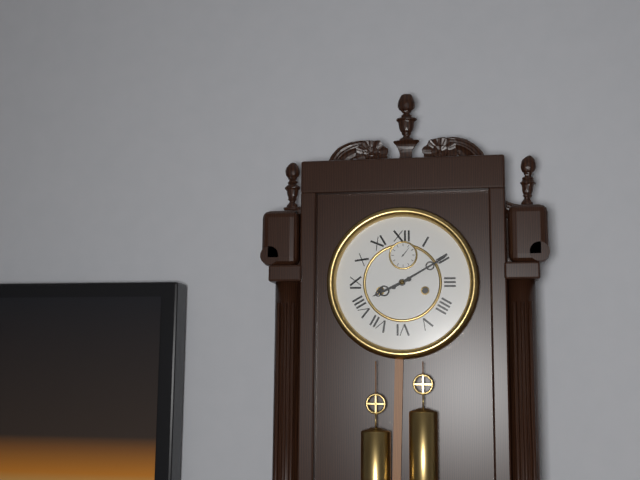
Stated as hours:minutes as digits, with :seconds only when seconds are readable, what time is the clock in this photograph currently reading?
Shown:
8:10
